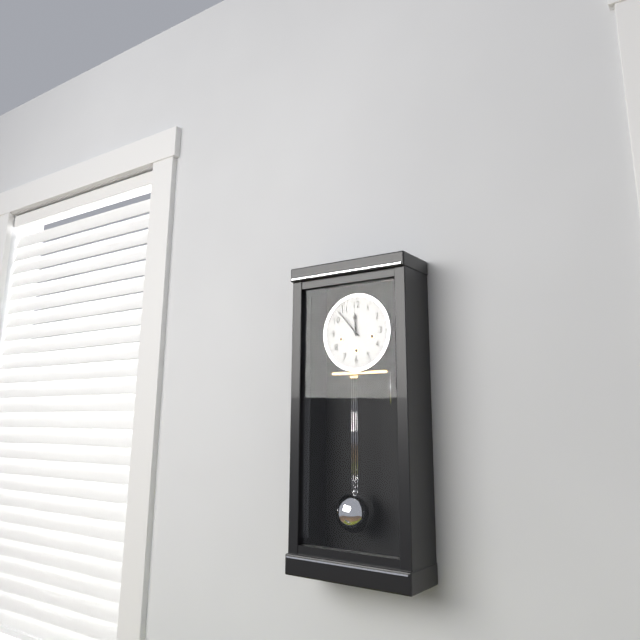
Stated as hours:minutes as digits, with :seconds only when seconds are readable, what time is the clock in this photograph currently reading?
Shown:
11:53
